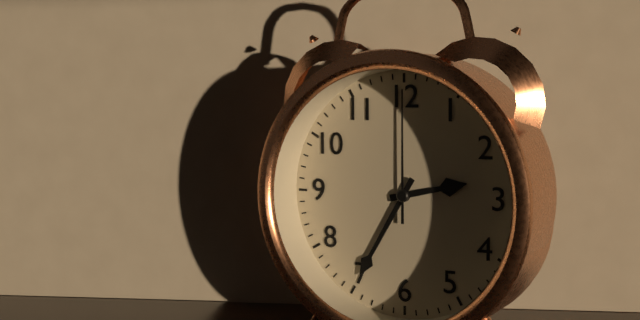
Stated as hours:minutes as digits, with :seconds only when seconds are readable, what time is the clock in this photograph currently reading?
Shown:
2:35:00
